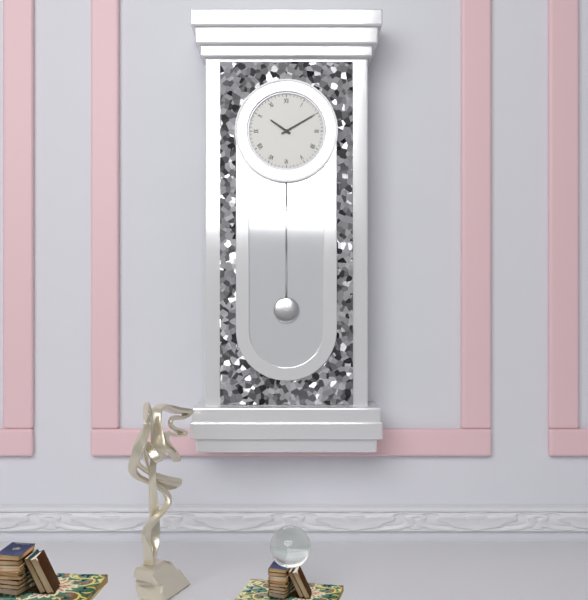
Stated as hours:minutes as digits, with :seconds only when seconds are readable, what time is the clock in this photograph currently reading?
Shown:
10:10
